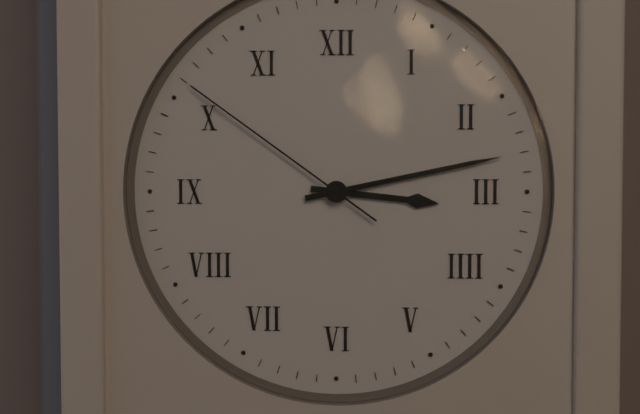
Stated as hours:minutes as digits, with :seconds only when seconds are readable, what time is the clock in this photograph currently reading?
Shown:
3:13:51
